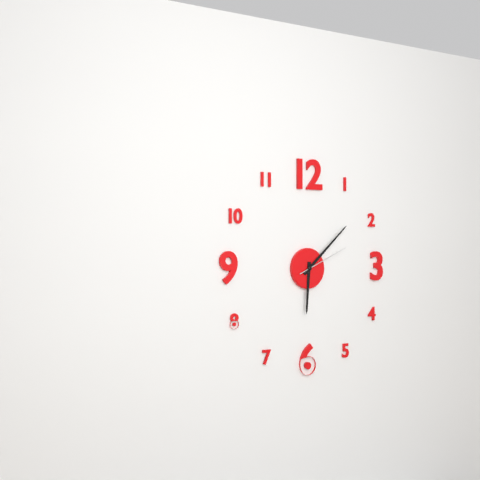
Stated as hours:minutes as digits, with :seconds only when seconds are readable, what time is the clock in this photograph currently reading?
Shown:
6:08:11
